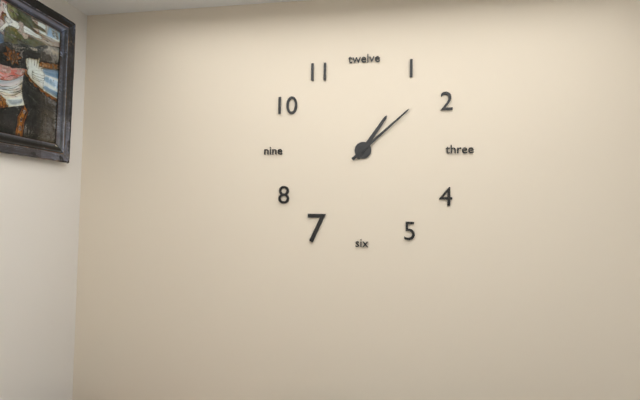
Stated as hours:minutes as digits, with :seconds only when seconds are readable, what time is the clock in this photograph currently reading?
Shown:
1:08
